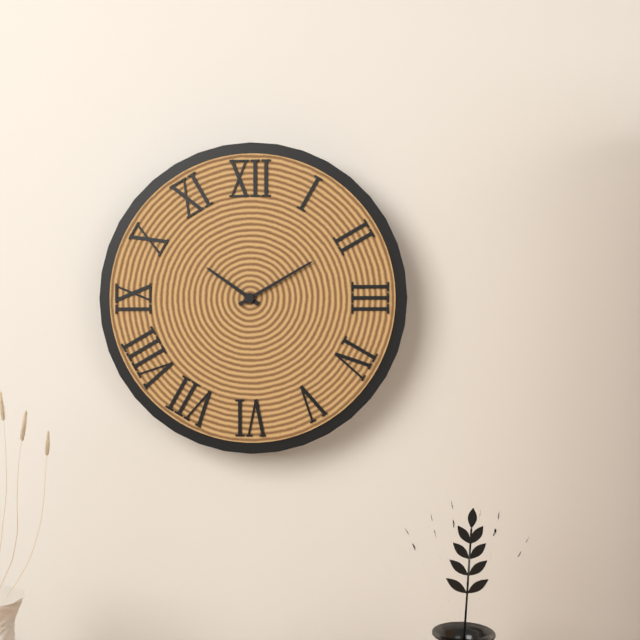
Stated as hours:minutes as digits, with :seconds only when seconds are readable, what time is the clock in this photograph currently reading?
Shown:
10:10
